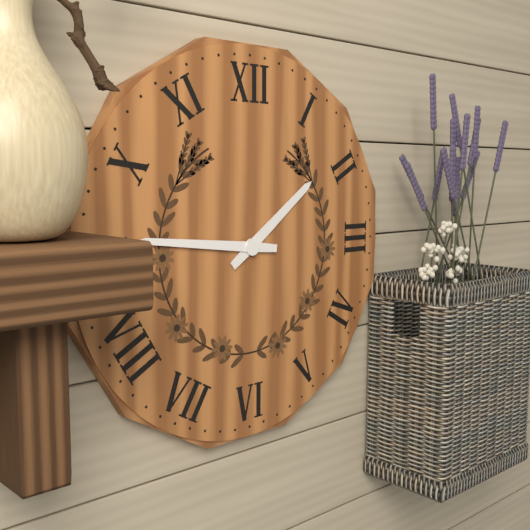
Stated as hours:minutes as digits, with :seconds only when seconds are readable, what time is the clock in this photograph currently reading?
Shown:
1:46
